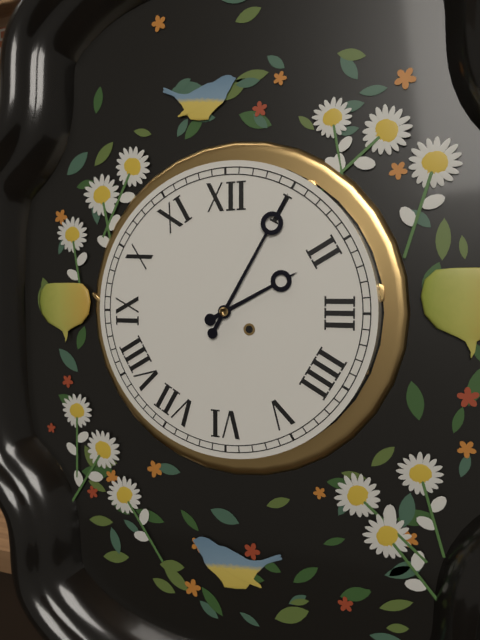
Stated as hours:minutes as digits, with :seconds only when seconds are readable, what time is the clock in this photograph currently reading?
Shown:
2:05
